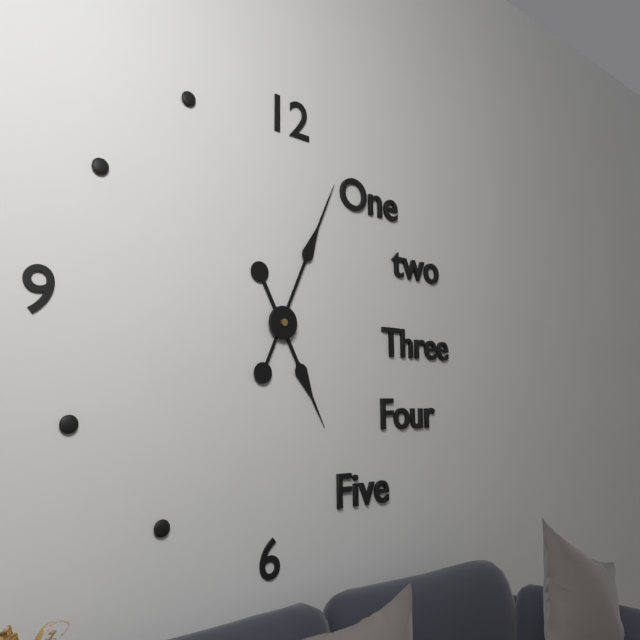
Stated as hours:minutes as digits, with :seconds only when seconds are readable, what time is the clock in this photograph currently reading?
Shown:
5:04
